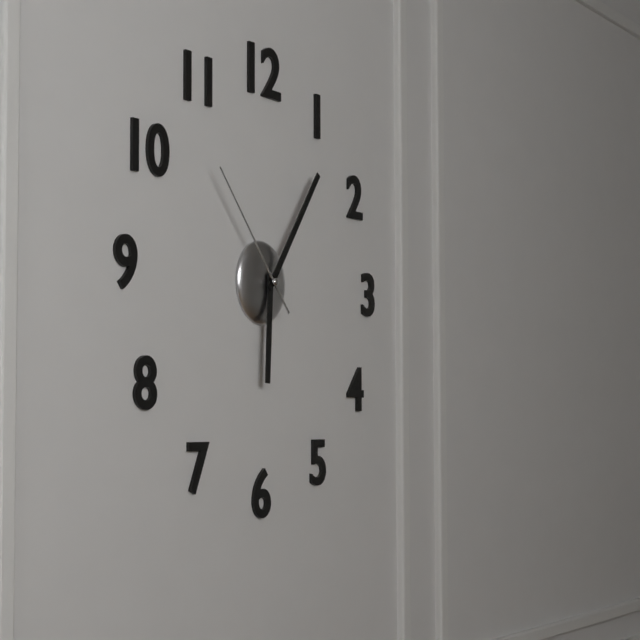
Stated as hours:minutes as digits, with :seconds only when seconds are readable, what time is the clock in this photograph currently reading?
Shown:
6:06:53
